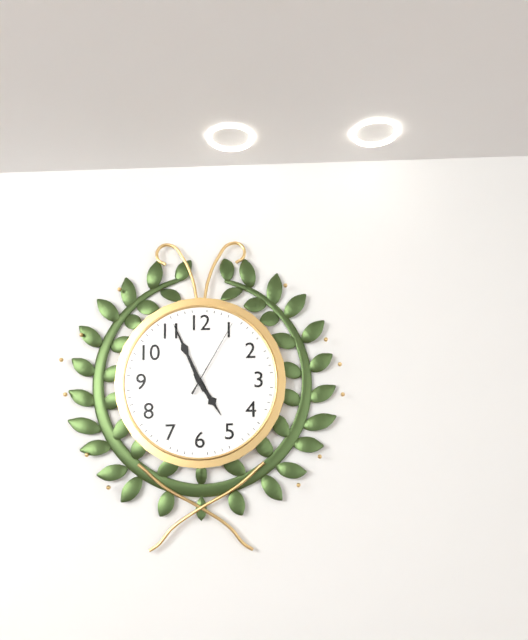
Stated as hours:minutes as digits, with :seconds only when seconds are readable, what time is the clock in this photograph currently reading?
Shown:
4:56:05
